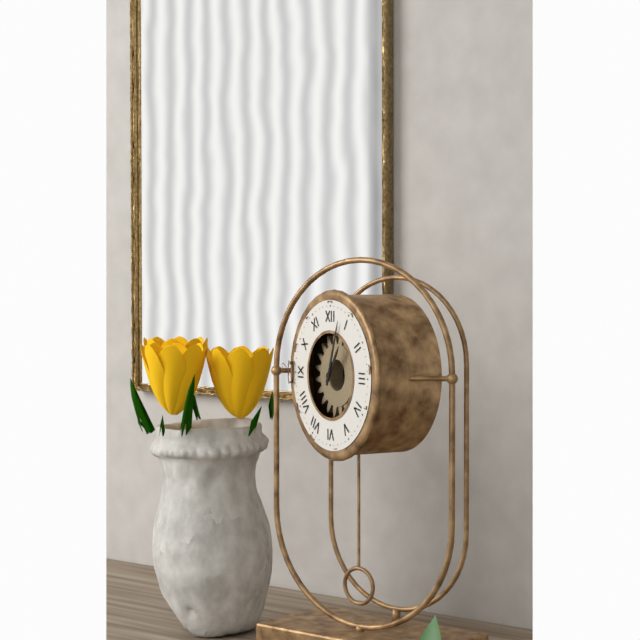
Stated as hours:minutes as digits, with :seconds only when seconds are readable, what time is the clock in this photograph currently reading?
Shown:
1:03
